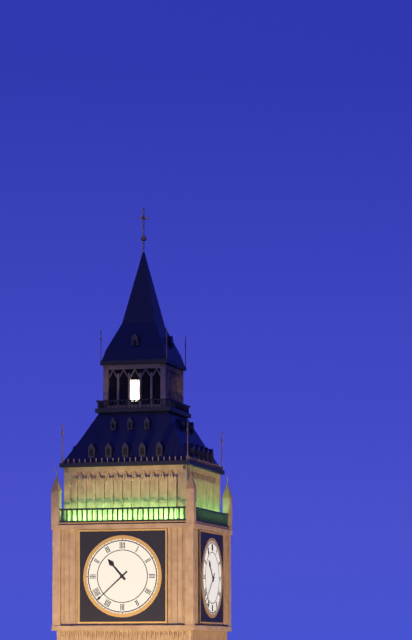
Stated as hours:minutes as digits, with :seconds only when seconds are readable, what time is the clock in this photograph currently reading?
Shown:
10:38
